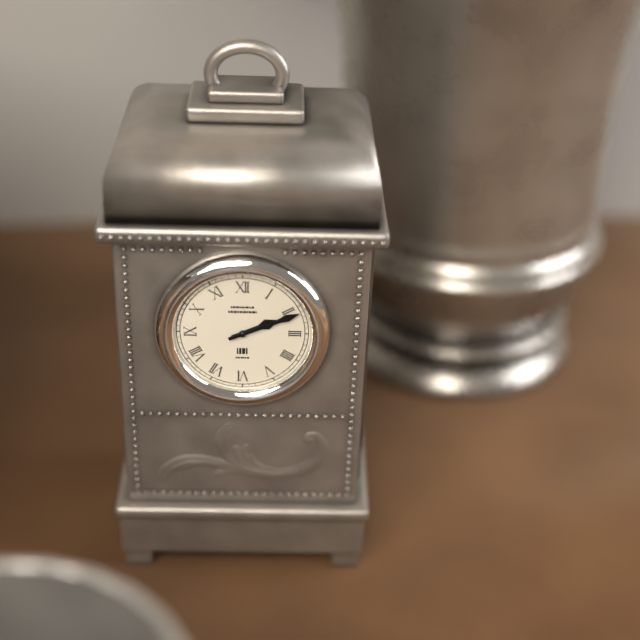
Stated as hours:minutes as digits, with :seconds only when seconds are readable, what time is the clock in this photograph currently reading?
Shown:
2:11
